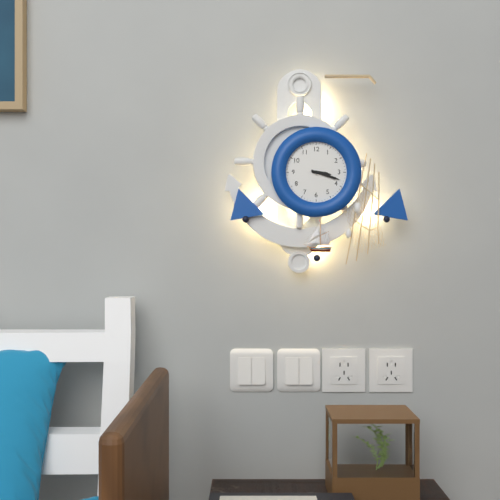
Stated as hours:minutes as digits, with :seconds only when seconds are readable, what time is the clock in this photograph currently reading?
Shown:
3:18
